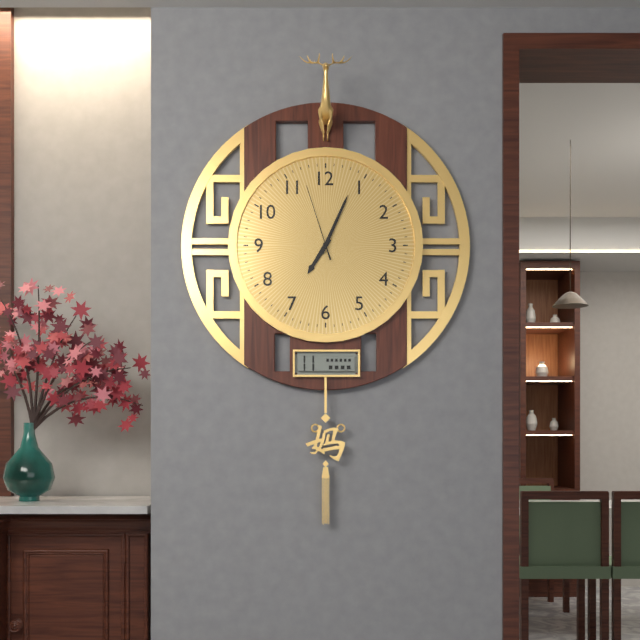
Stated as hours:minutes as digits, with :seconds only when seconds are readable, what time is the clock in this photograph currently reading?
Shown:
7:04:57
